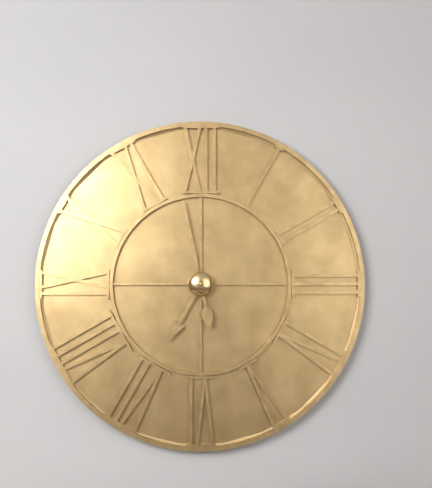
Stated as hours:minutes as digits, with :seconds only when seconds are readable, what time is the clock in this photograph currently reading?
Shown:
6:58
